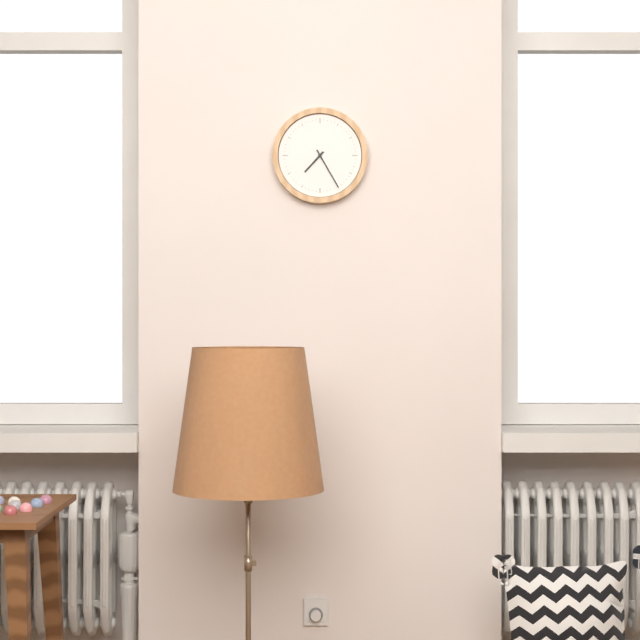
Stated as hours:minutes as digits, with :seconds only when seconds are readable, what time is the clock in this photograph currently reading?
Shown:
7:25
